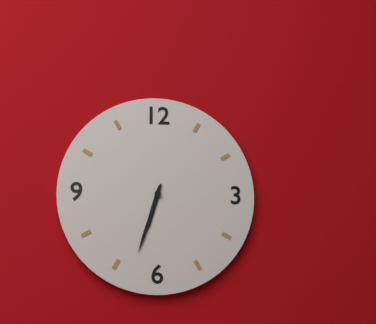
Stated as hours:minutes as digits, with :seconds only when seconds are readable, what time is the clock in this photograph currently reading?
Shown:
6:33
